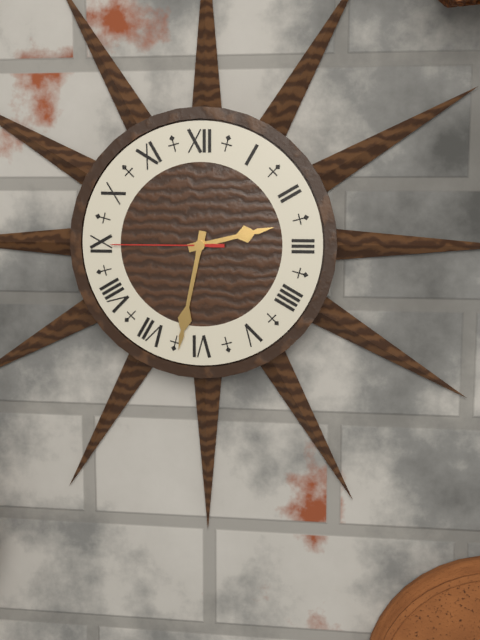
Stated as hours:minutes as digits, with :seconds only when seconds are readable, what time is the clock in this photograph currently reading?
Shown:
2:32:45
